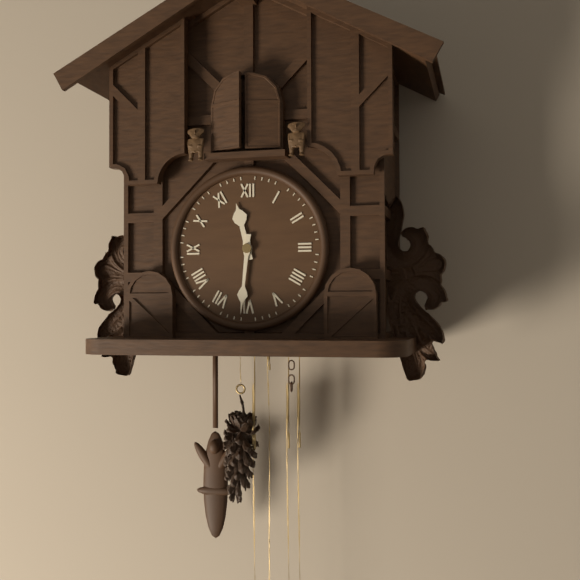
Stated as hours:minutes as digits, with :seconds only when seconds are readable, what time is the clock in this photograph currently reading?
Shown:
11:31
